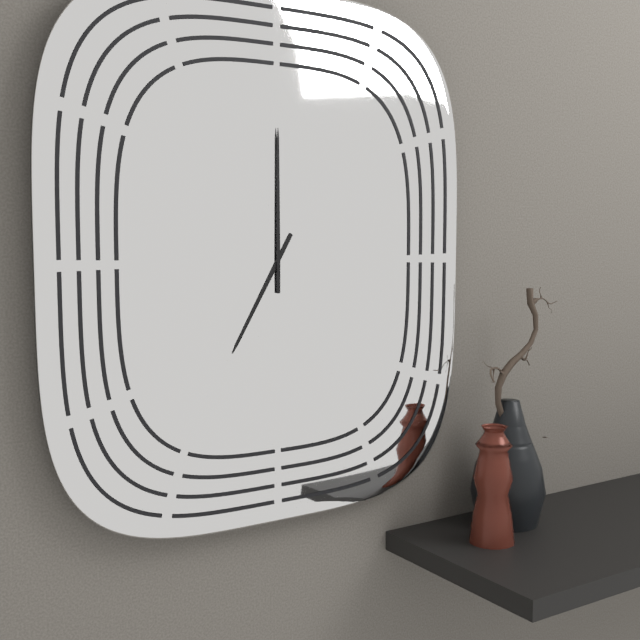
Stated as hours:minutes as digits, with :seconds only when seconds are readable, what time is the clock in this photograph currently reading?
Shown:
7:00
